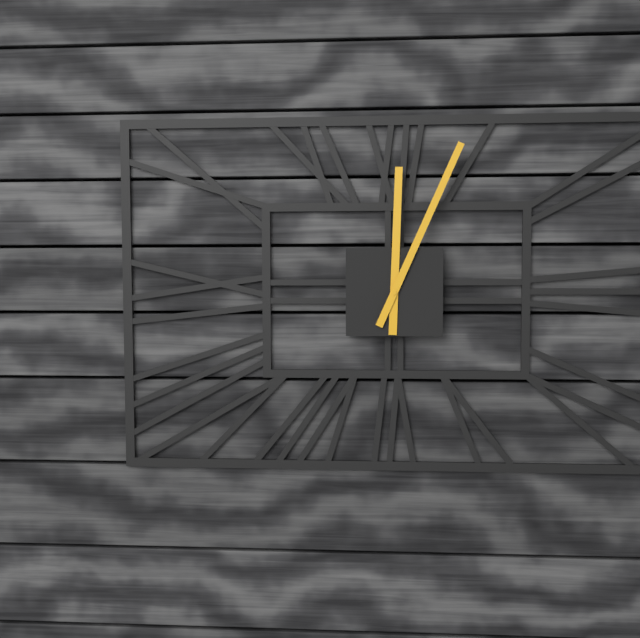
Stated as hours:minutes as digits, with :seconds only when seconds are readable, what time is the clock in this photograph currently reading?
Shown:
12:04
